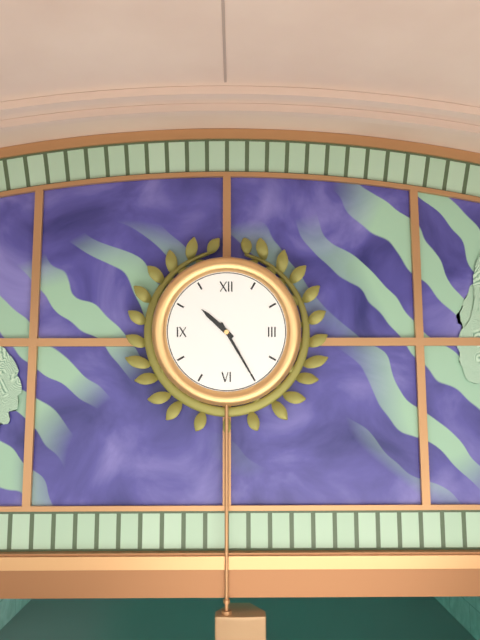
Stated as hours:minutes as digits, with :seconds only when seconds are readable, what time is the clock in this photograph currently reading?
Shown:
10:25
